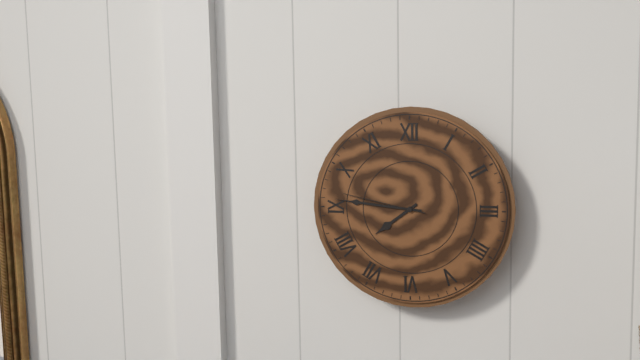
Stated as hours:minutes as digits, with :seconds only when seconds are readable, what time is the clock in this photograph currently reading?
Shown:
7:46:47
